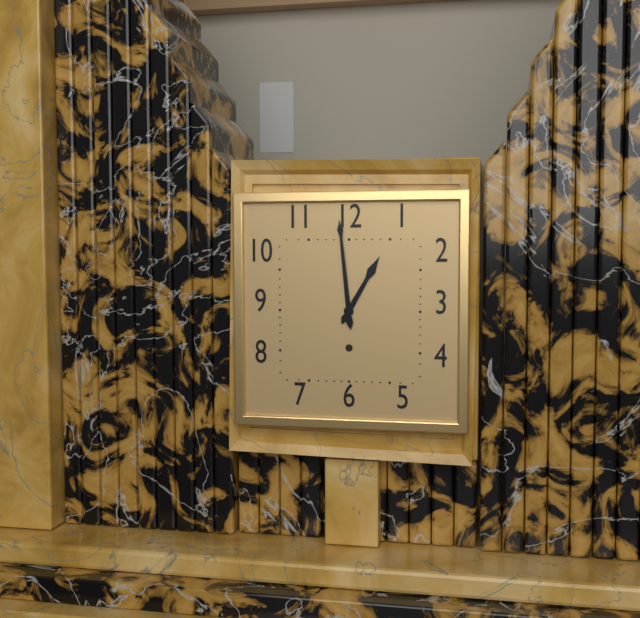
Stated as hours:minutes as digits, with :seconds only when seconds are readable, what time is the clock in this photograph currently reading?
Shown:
12:59
